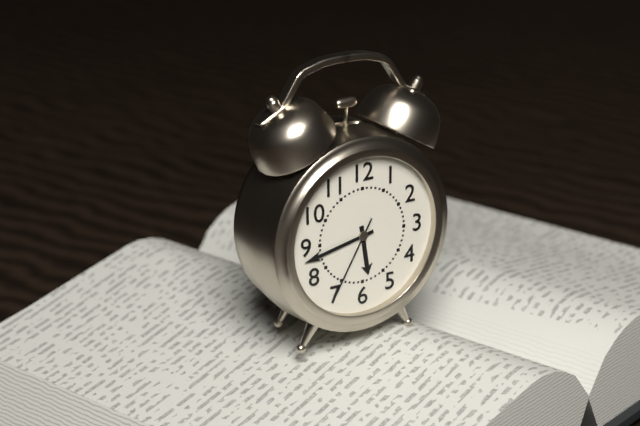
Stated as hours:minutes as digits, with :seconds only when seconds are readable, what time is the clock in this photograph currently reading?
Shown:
5:43:35
